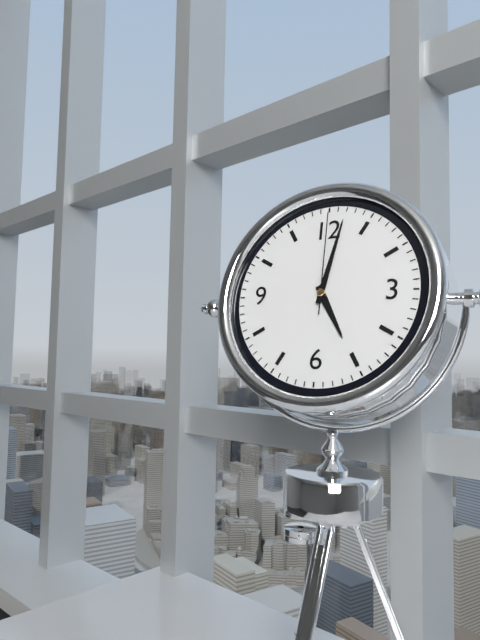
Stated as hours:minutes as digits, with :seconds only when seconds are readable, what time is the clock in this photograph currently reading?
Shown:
5:02:00
